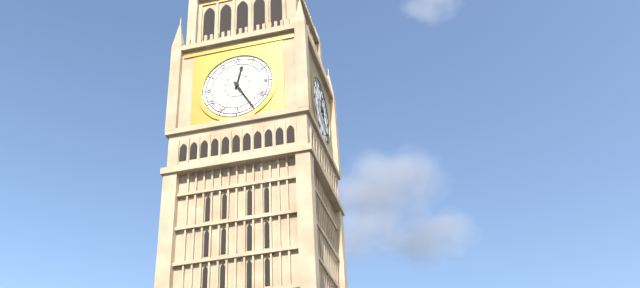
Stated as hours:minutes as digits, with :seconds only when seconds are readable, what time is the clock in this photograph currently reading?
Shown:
12:25
